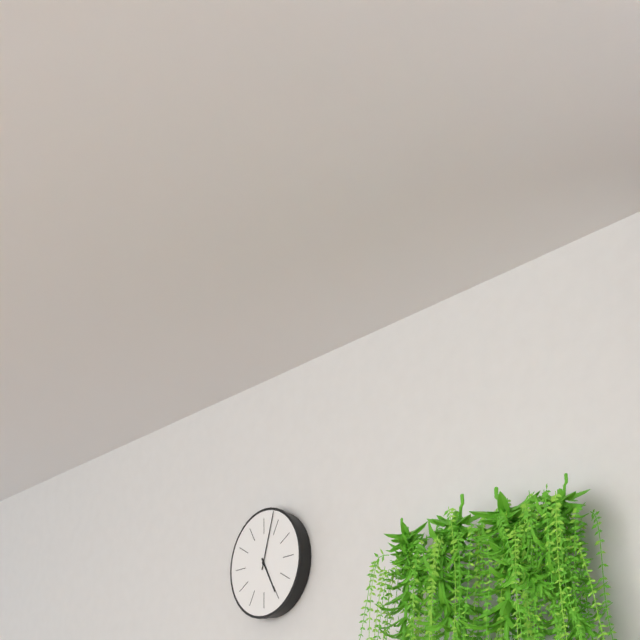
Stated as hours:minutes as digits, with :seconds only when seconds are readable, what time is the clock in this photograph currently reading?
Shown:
5:03
